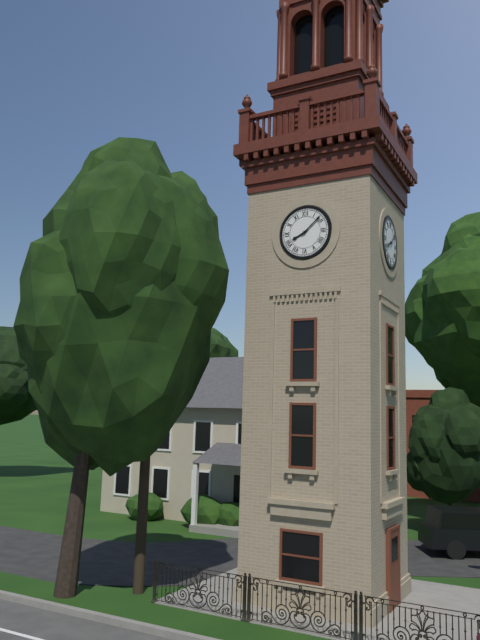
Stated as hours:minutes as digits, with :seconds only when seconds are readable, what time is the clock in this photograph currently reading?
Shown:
8:08
